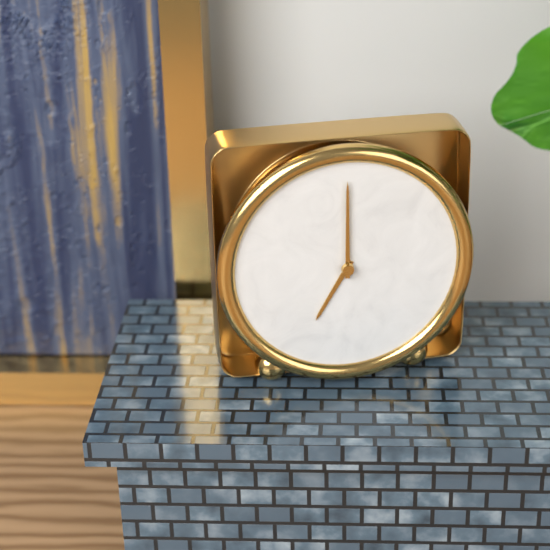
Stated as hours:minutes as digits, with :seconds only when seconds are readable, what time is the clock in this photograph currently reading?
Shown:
7:00
